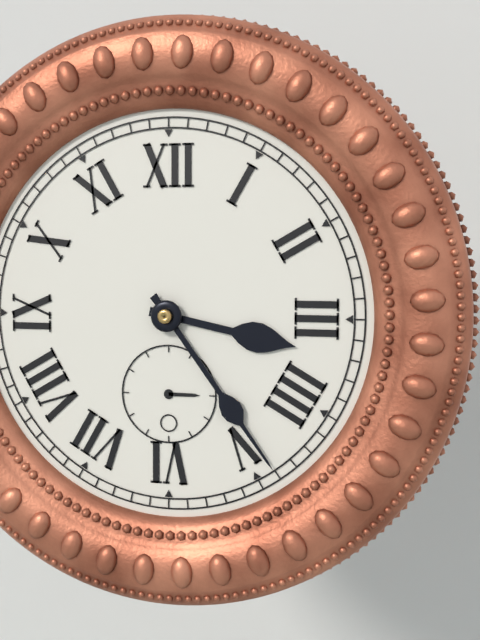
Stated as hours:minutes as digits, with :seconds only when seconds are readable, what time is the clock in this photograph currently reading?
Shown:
3:24
